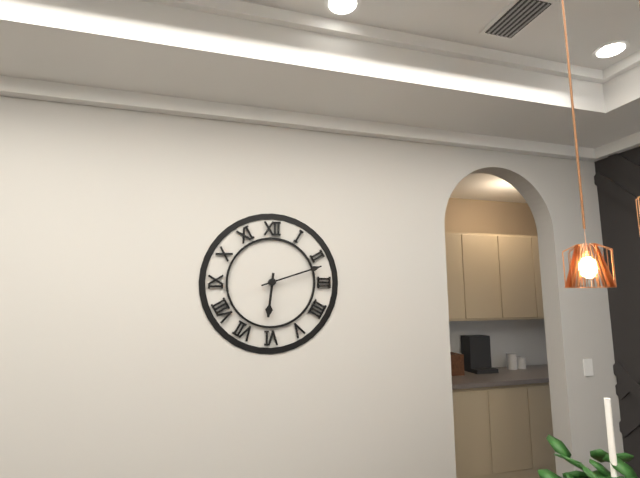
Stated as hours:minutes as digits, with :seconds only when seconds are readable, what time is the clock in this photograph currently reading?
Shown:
6:12
